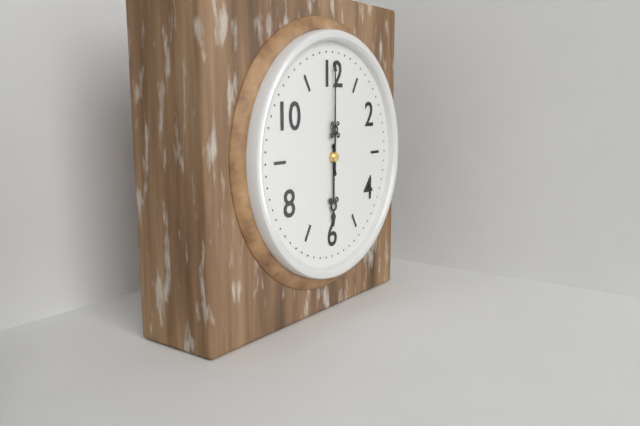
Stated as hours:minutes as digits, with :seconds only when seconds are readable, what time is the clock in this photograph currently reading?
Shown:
6:00
